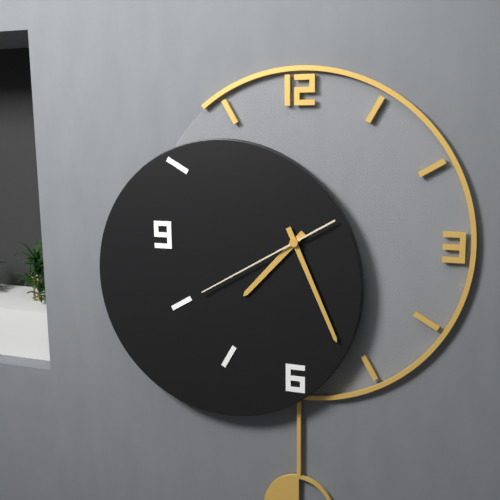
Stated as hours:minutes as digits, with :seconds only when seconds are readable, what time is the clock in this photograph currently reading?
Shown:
7:26:40
